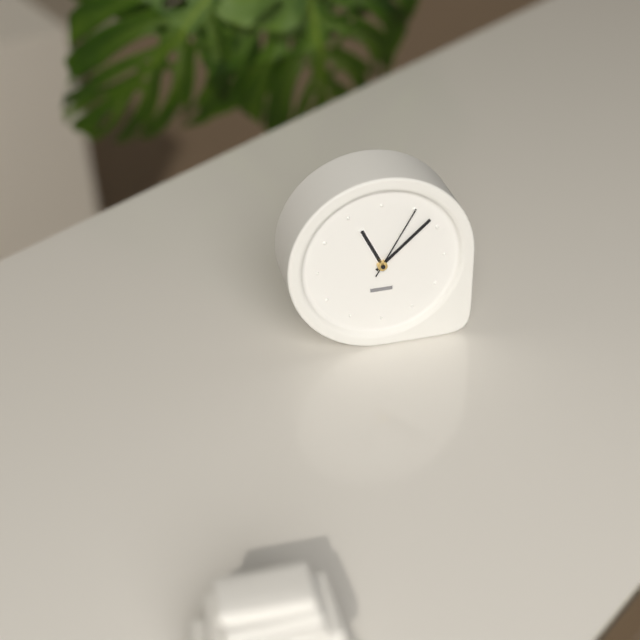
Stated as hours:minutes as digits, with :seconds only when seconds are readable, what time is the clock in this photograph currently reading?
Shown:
11:08:05
